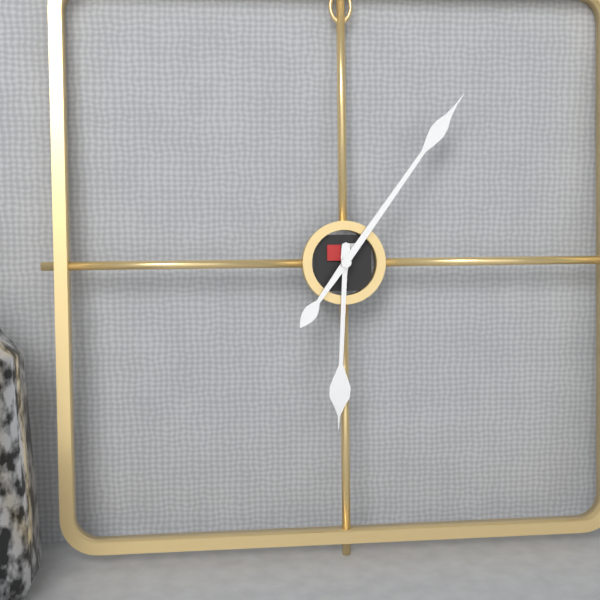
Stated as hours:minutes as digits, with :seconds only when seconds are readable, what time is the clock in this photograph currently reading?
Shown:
6:06
